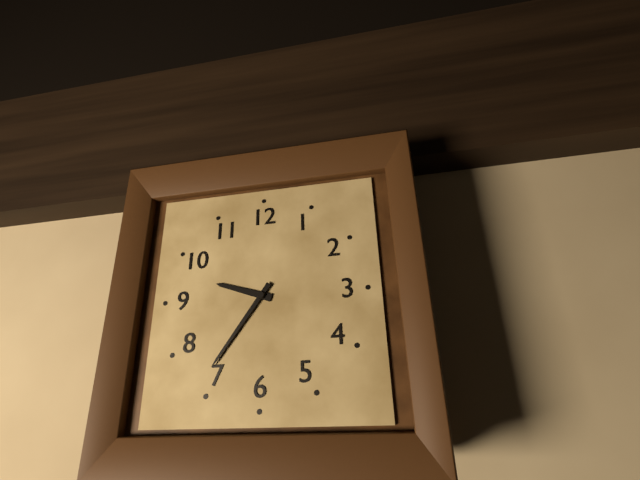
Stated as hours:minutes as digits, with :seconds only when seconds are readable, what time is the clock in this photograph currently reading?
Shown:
9:36
